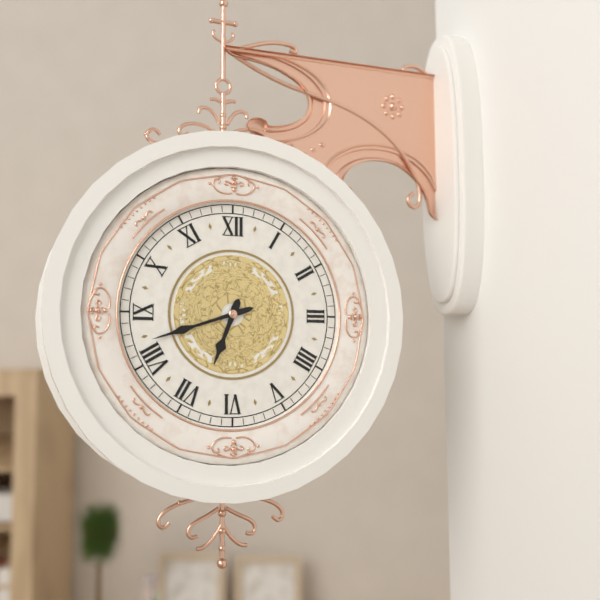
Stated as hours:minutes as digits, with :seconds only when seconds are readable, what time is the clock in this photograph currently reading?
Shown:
6:42
